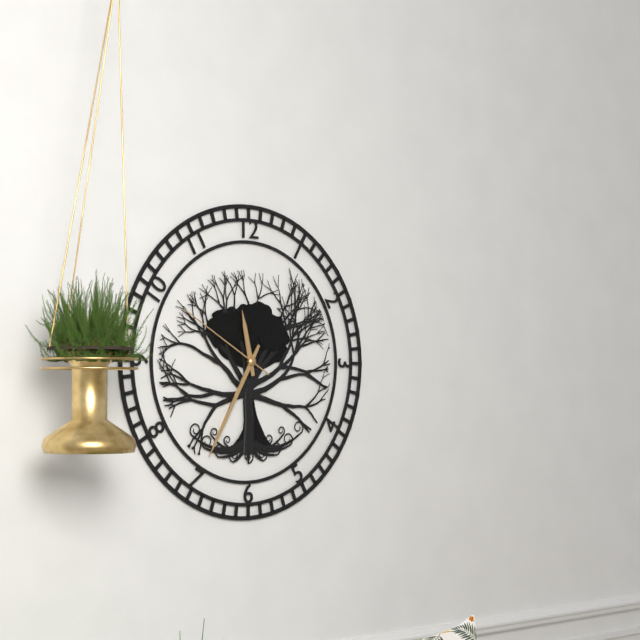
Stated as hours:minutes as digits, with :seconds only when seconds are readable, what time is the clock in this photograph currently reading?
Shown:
11:35:50
